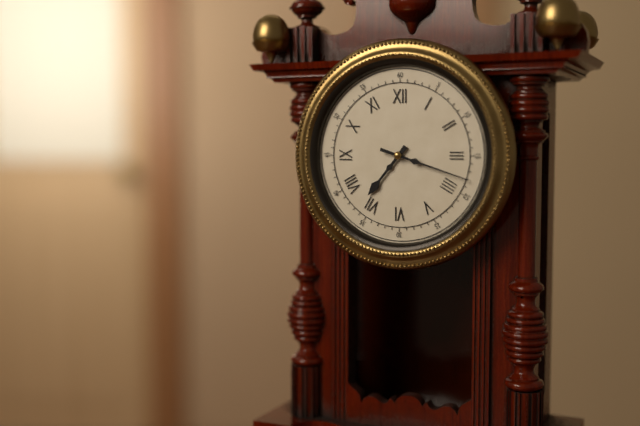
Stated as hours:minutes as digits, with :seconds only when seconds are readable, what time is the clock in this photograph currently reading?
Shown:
7:18
